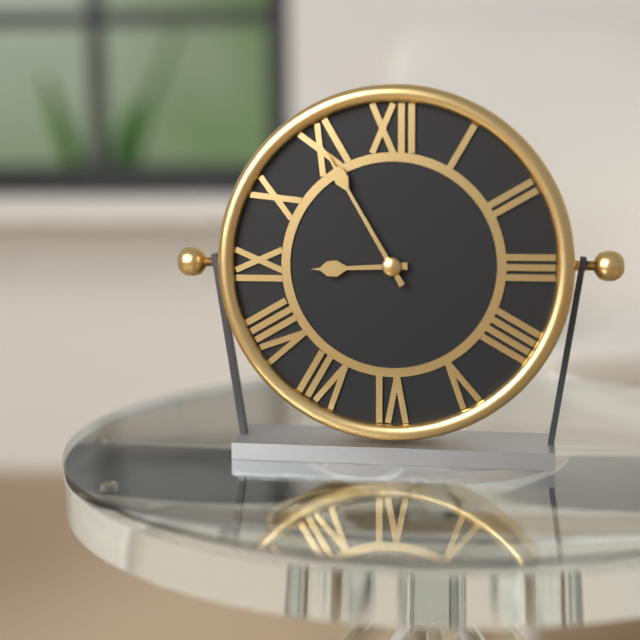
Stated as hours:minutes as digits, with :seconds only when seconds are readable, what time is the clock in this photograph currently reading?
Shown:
8:55
